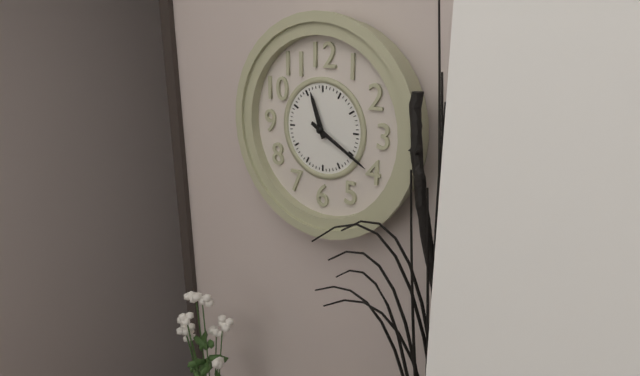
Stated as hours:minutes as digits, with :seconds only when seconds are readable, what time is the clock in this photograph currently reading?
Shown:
11:20
